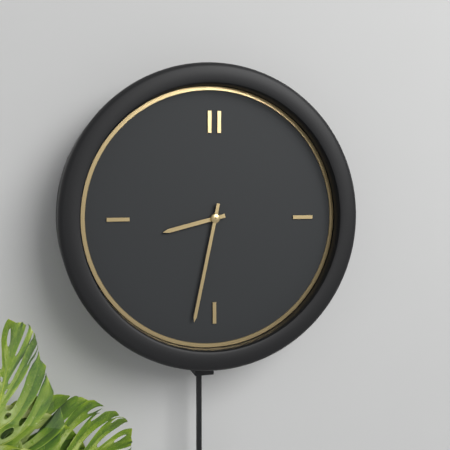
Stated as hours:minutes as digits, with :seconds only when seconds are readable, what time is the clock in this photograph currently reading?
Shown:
8:32
